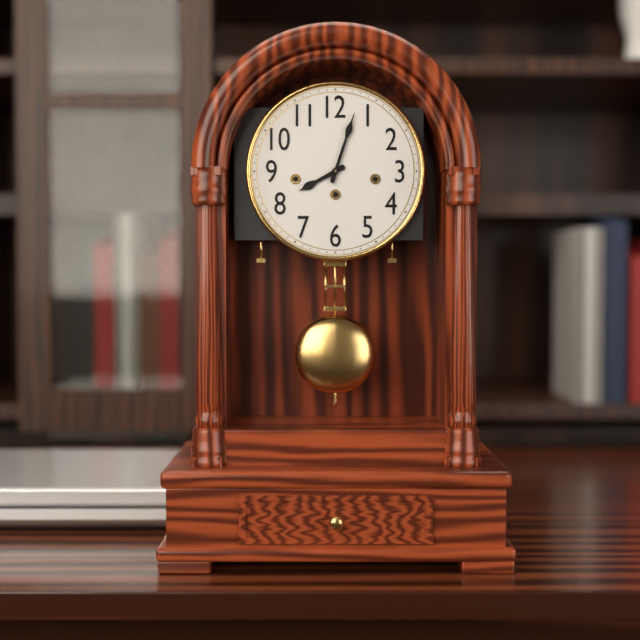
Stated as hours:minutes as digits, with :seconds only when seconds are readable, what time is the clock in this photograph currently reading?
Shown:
8:03
